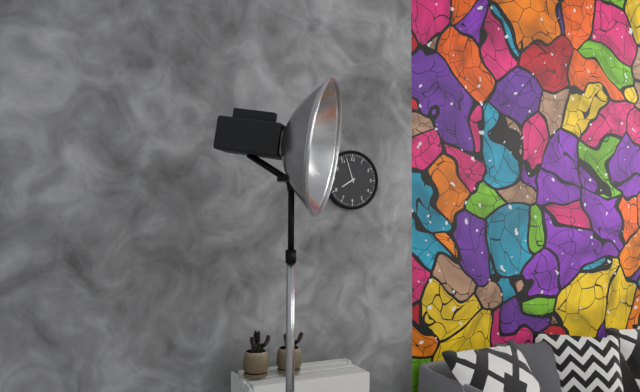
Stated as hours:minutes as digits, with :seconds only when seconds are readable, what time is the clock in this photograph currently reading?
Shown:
7:57
